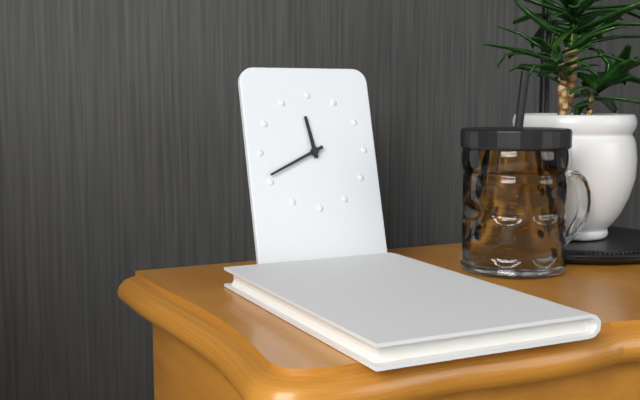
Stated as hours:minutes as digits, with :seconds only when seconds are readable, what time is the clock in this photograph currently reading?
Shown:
11:41
